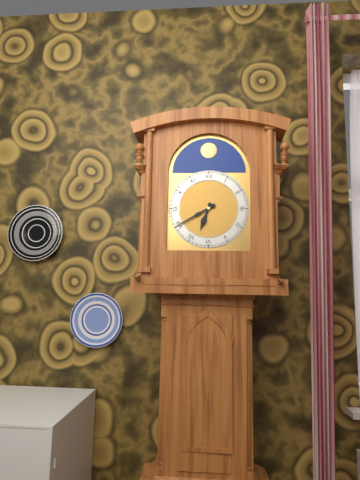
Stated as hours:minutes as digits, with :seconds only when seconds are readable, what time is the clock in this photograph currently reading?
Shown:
6:40
